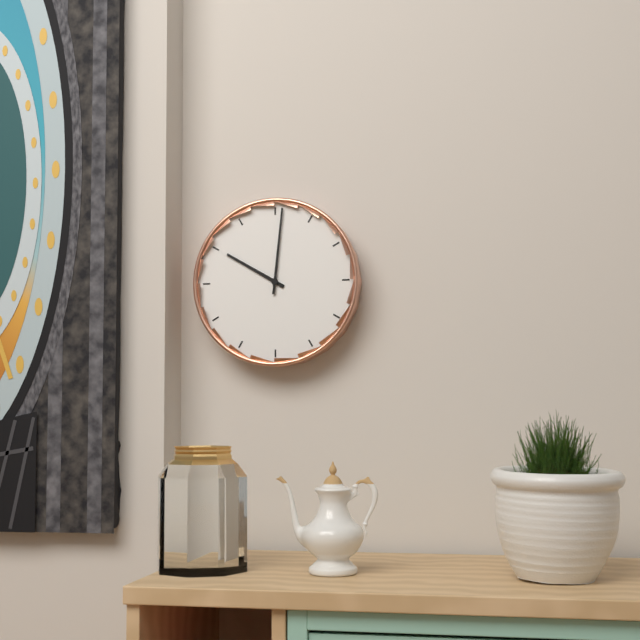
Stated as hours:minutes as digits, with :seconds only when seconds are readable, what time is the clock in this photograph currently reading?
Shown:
10:01
